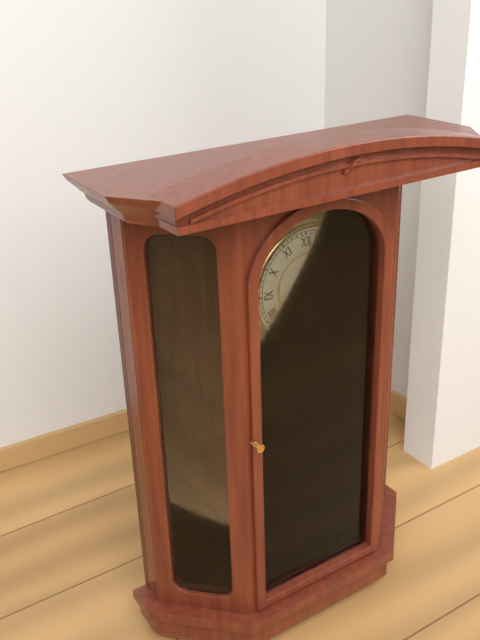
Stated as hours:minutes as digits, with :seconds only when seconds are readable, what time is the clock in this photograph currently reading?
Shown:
3:24
